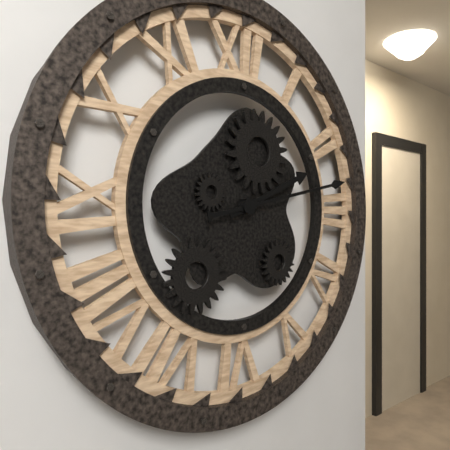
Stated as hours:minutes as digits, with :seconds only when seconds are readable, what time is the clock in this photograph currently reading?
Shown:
2:13
